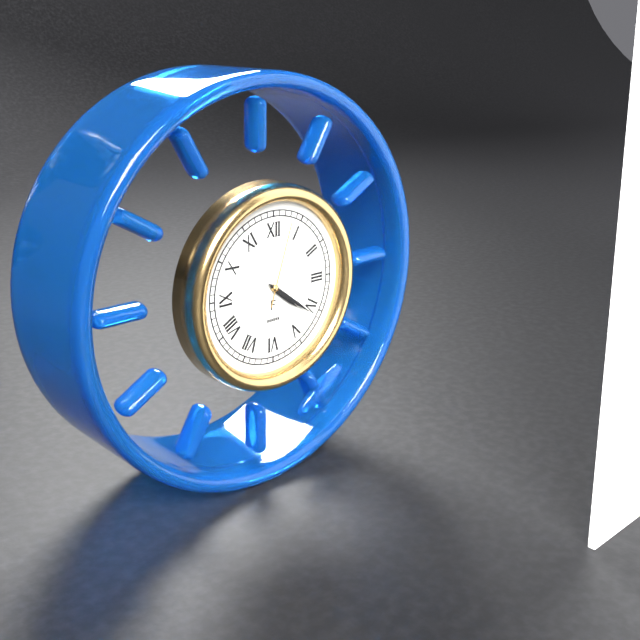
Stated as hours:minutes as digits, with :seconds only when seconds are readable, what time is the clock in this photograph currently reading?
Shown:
4:21:03
